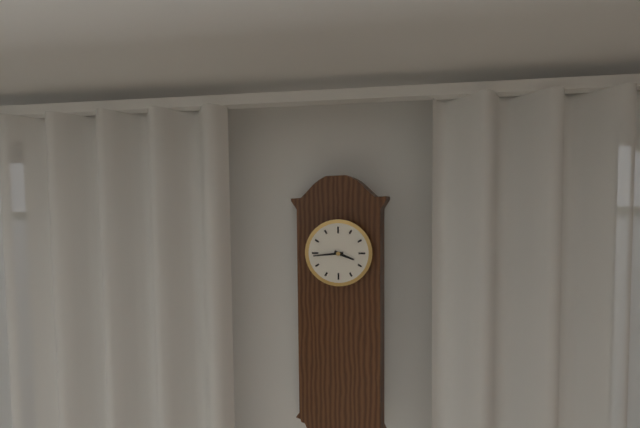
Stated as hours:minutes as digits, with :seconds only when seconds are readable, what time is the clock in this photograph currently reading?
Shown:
3:44
